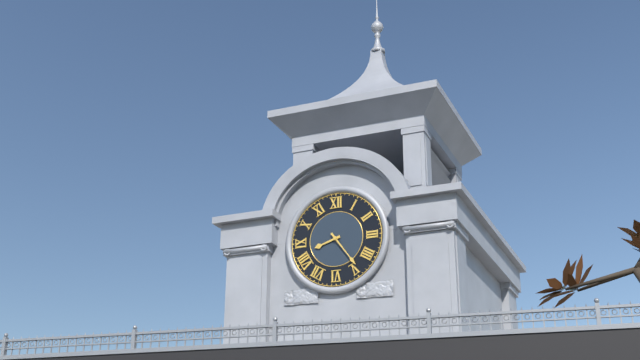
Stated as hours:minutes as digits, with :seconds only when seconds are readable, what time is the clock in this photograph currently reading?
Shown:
8:24
